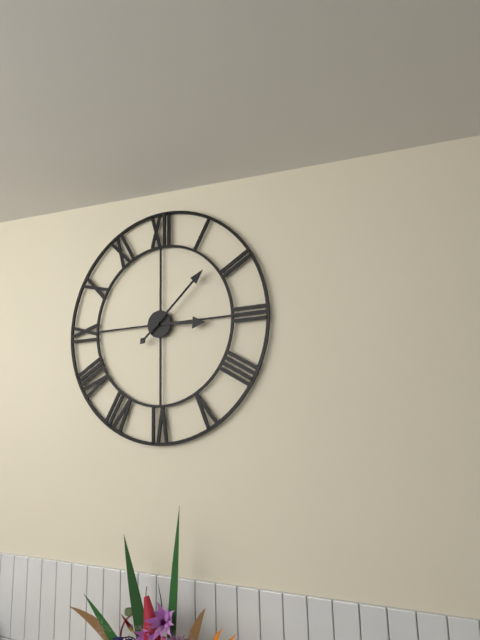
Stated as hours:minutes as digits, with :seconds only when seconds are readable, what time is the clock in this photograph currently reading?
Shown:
3:08
